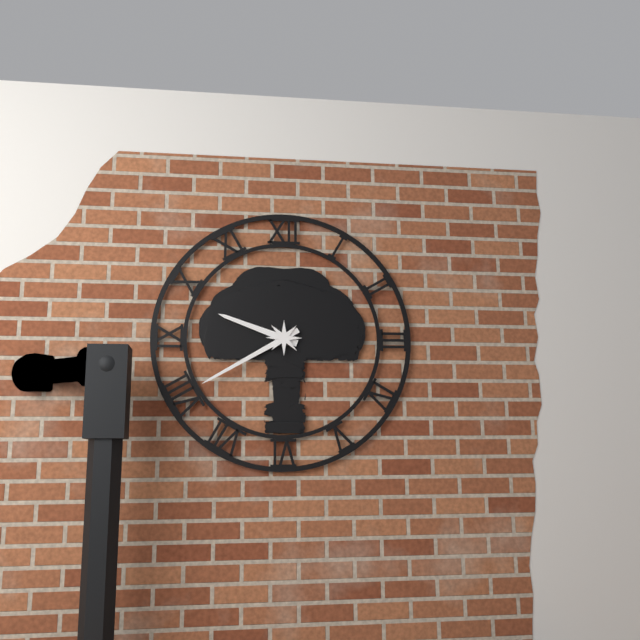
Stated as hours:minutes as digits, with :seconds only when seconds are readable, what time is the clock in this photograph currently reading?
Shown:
9:40
